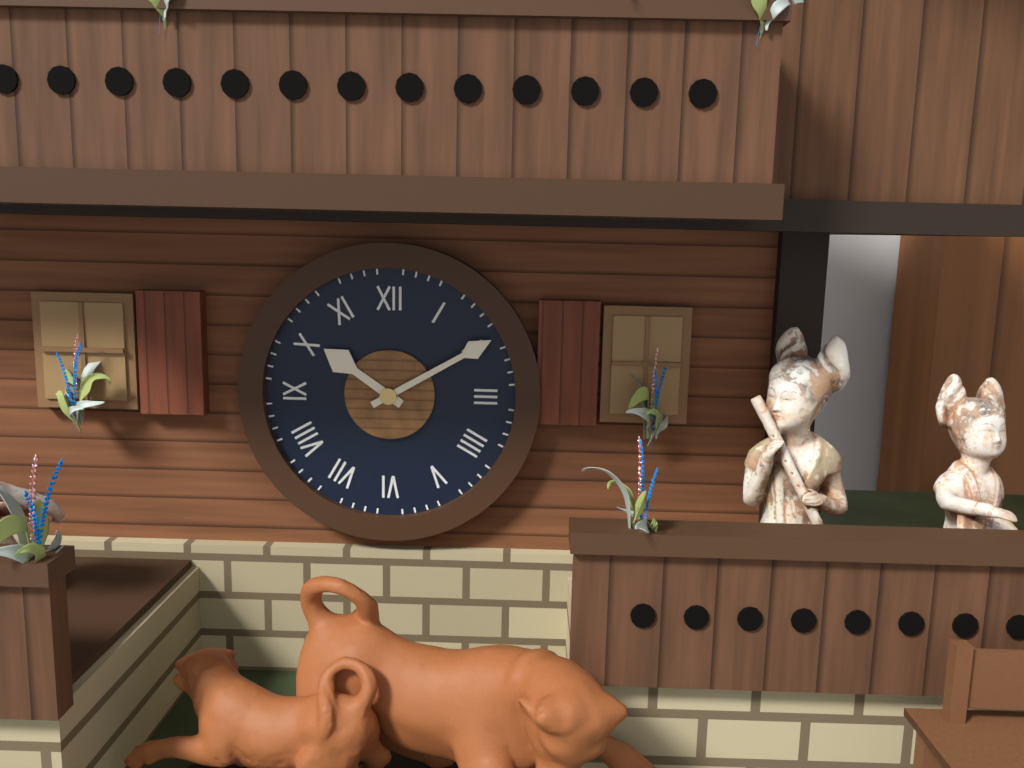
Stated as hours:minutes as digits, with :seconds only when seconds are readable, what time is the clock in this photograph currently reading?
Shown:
10:10
